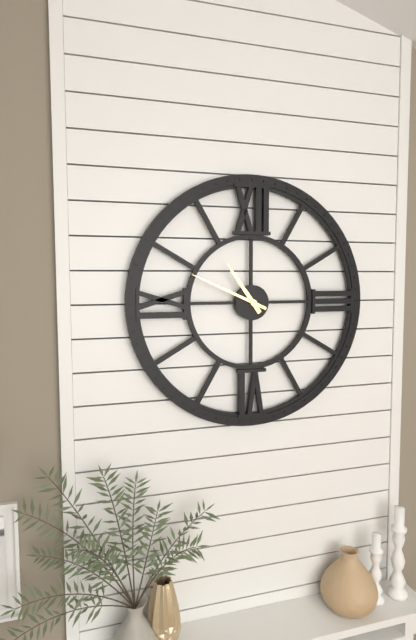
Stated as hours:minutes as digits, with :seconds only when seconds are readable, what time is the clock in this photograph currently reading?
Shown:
10:49
